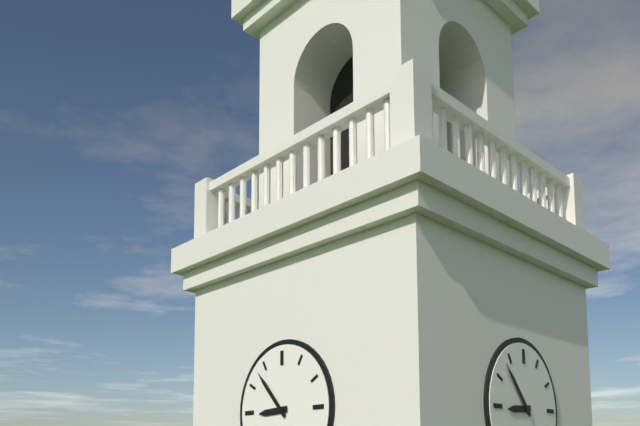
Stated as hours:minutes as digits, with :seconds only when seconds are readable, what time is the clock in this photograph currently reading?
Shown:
8:53
